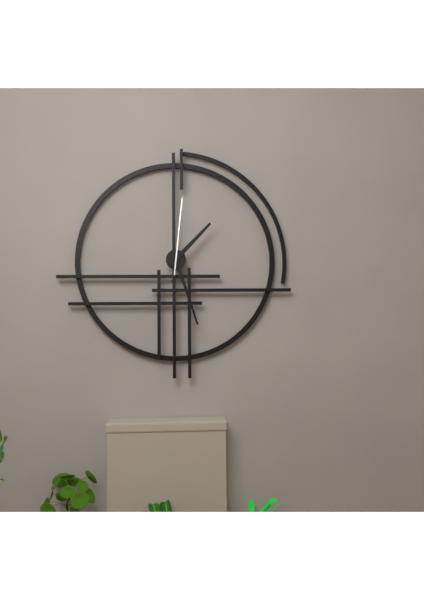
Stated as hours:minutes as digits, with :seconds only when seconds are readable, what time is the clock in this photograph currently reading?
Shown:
1:27:01
